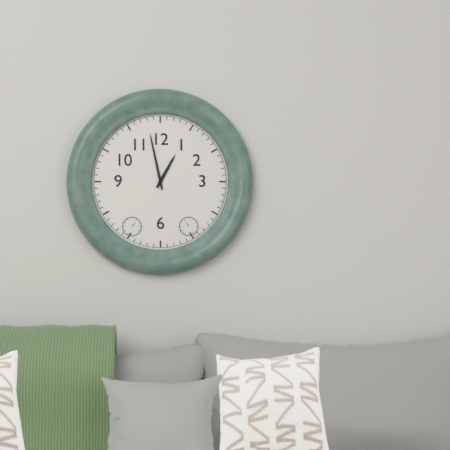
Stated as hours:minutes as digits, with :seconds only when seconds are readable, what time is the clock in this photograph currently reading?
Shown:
12:58
